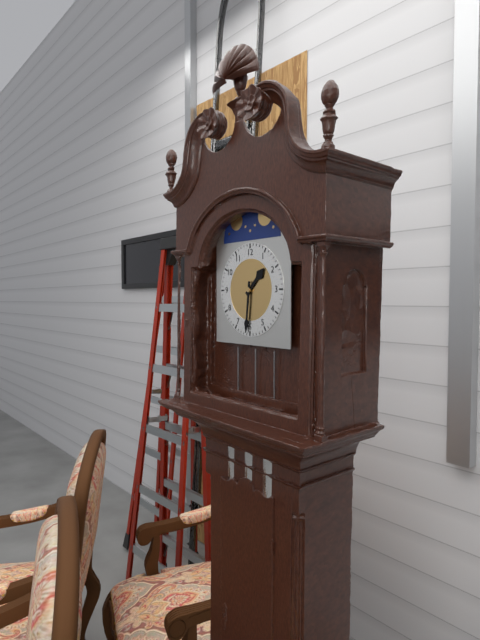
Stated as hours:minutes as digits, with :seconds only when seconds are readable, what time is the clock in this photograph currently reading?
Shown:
1:31
